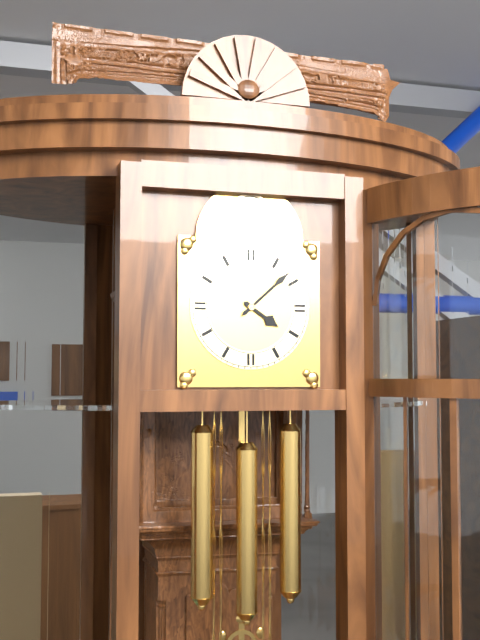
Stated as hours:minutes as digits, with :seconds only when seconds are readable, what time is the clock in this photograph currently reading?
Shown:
4:08
